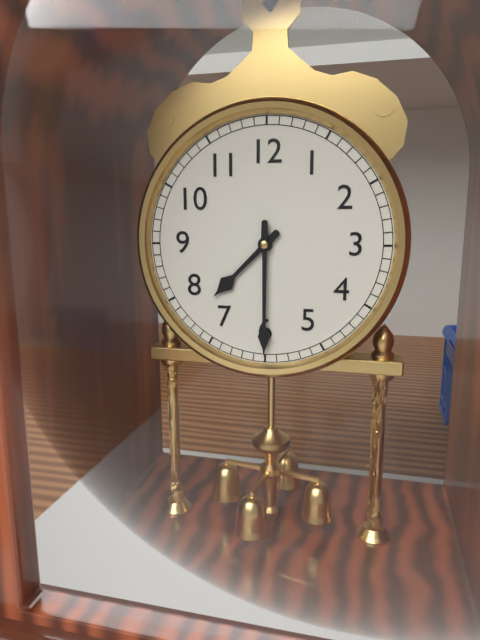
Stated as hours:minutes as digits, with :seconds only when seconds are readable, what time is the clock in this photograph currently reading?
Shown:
7:30
